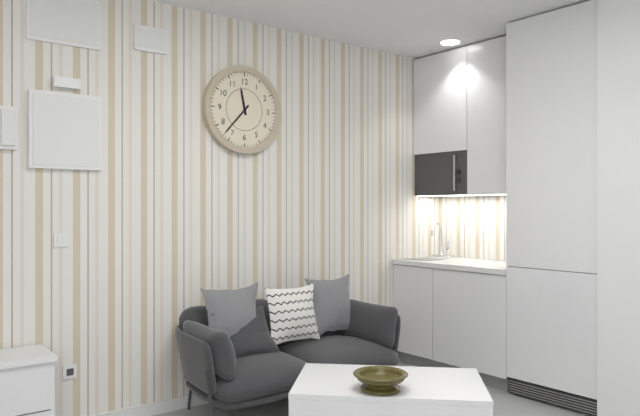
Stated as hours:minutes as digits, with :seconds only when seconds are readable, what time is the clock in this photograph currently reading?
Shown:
11:37
